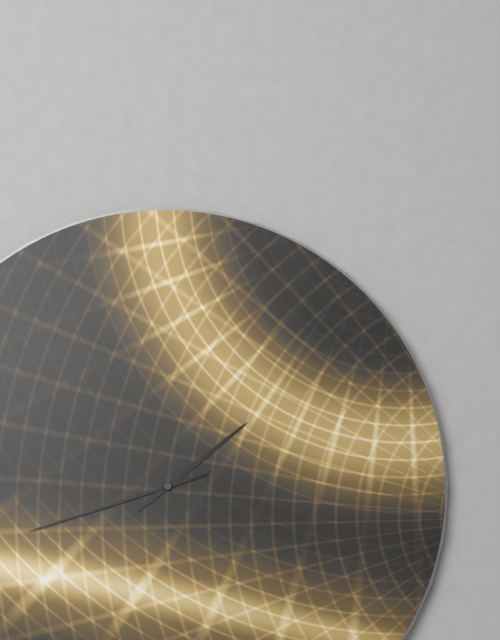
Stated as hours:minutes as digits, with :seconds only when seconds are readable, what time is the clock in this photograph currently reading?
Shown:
1:42
